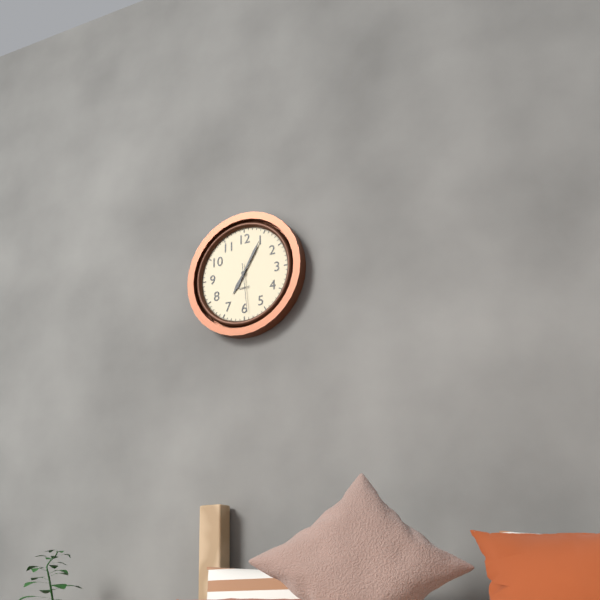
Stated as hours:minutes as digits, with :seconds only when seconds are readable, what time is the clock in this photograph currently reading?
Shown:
7:05
